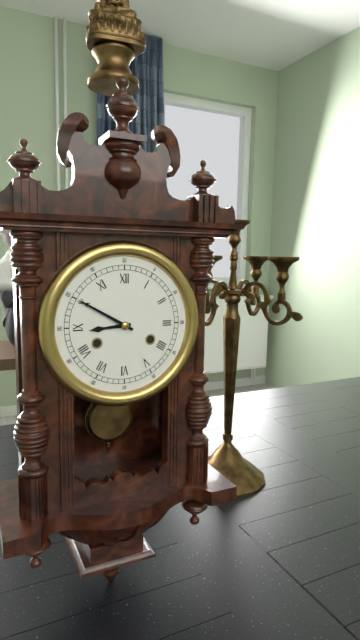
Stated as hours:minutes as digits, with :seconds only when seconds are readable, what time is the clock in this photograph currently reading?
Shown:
8:50
